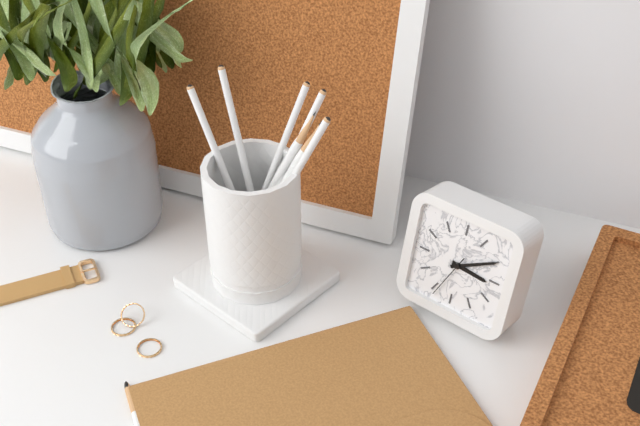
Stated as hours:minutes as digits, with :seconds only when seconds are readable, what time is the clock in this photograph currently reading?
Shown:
3:10
